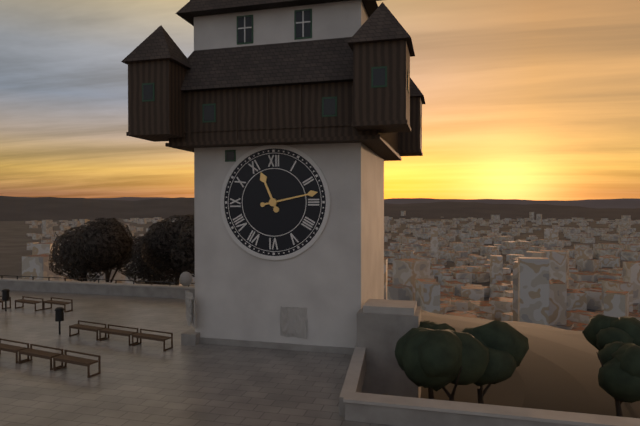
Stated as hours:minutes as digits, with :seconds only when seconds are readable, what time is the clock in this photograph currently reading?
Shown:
11:13
